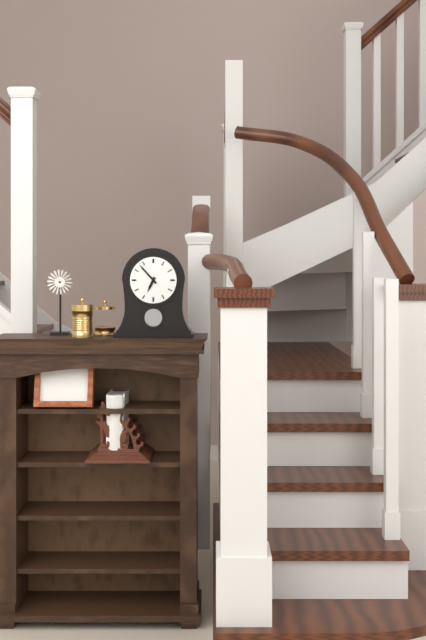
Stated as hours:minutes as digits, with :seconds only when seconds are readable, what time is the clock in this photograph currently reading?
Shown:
6:53
